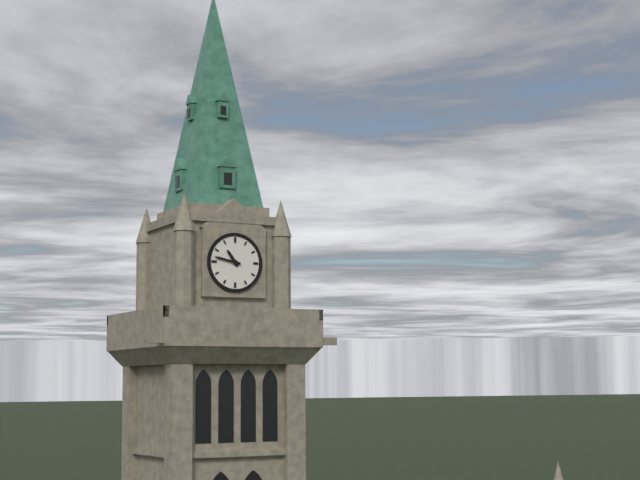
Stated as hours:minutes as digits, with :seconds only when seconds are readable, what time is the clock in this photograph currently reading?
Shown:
10:47
